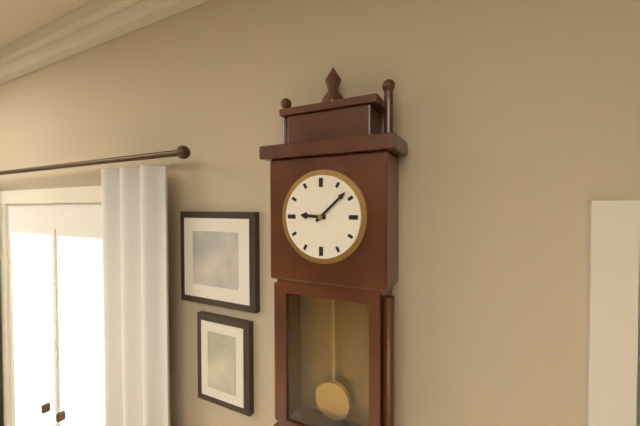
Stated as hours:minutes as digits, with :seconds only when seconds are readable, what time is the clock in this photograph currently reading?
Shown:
9:08
